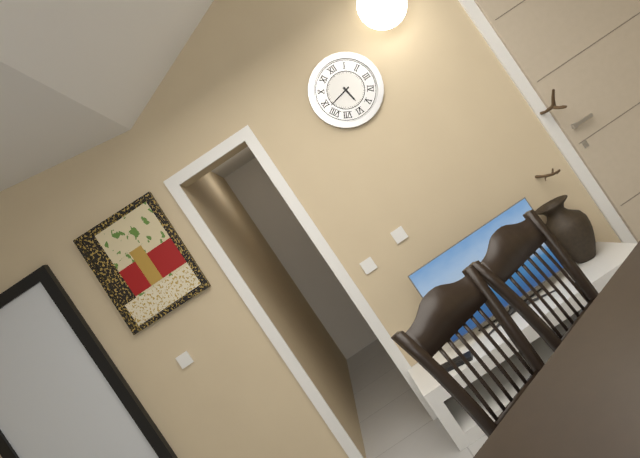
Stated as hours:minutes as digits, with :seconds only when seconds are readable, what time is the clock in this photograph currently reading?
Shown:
5:43
